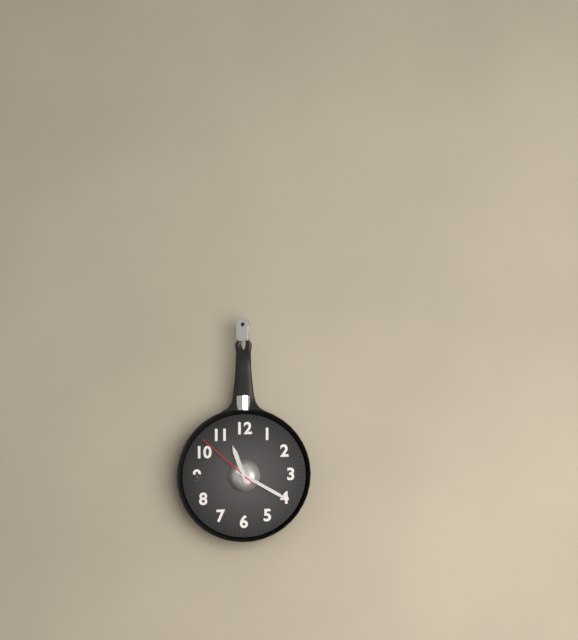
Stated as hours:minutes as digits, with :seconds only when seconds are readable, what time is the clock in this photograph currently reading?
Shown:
11:20:52
